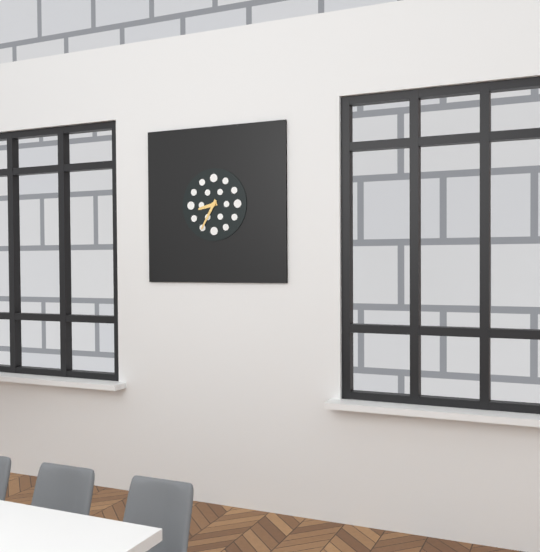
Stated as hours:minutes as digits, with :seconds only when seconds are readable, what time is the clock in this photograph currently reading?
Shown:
8:35
